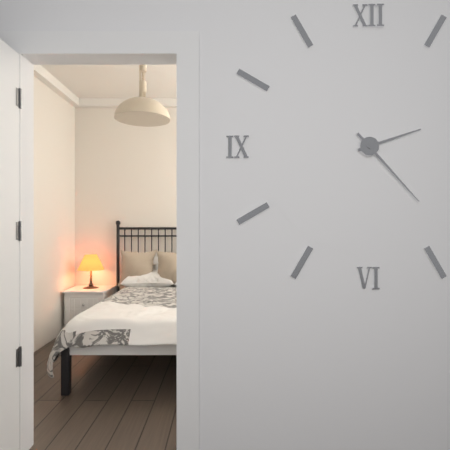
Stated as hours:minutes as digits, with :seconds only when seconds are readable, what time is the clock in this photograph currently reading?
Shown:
2:23
